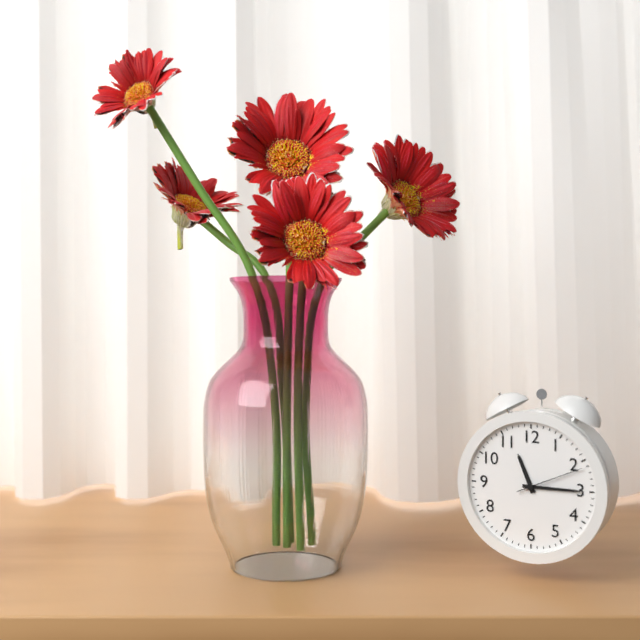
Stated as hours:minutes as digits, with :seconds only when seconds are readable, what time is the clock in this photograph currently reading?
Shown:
11:15:11
